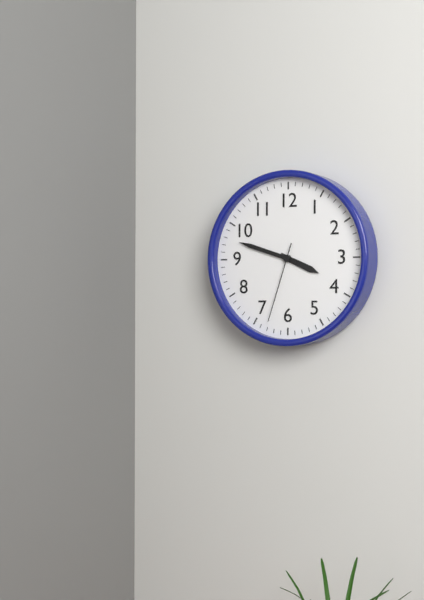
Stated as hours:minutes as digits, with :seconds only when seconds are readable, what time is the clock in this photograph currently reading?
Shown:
3:48:33
